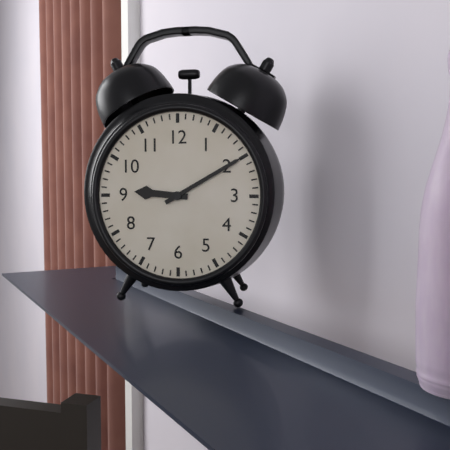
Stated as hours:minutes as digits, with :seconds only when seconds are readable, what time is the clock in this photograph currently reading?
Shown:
9:10
